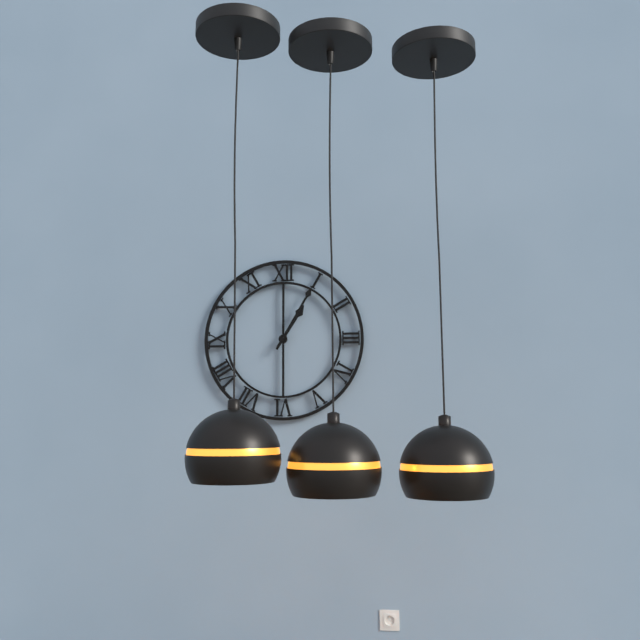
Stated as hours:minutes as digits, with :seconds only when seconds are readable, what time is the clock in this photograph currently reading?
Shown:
1:05
